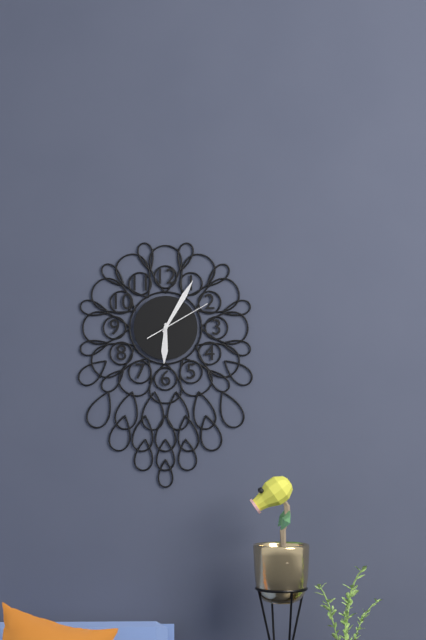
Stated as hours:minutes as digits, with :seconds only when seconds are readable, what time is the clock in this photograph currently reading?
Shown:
6:05:10
